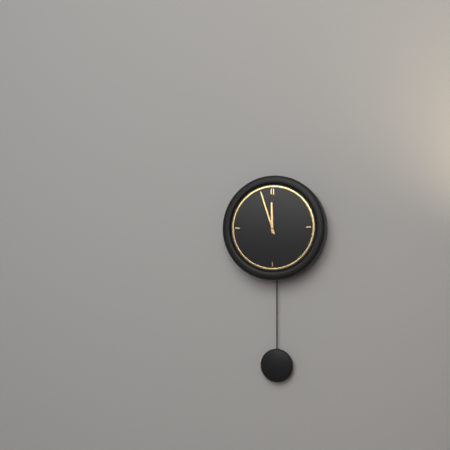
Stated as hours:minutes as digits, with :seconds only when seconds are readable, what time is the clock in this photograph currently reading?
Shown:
11:57
